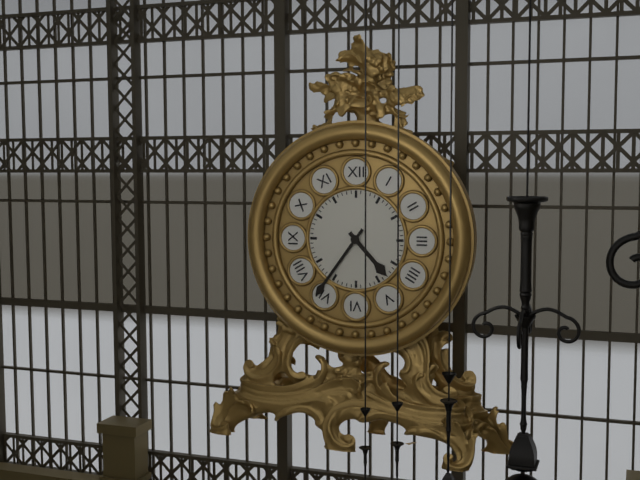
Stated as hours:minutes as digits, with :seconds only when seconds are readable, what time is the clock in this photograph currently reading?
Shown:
4:36
